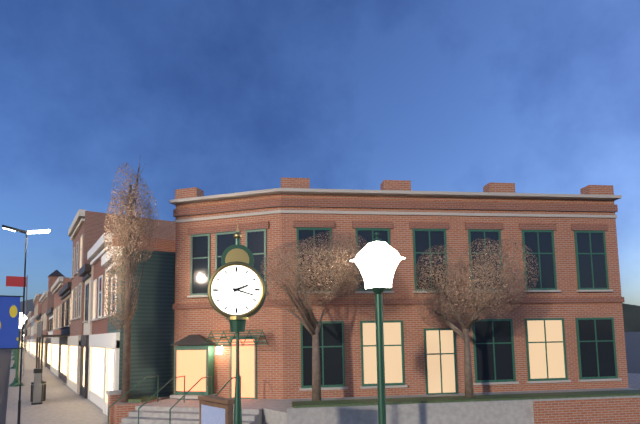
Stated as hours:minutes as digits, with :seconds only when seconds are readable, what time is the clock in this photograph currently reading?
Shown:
2:18
